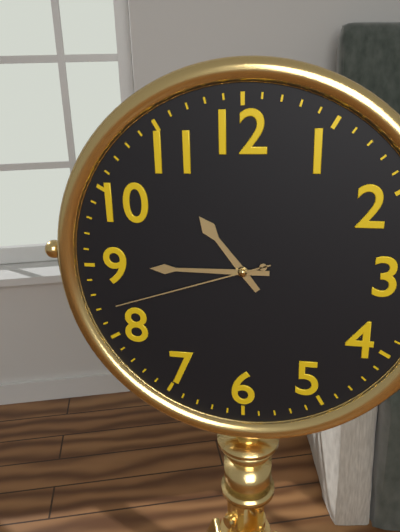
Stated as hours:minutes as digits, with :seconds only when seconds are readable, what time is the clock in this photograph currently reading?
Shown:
10:45:42
